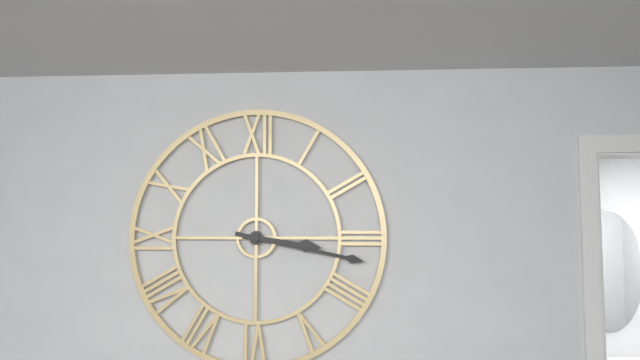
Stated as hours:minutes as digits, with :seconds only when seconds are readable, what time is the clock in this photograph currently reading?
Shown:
3:17
